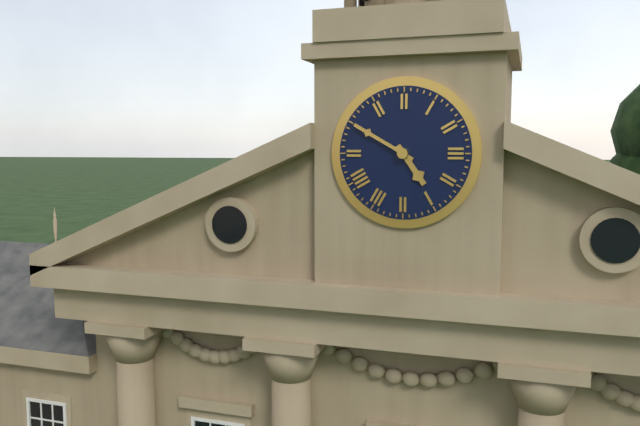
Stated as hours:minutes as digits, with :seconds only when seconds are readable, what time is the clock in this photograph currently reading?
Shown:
4:50
